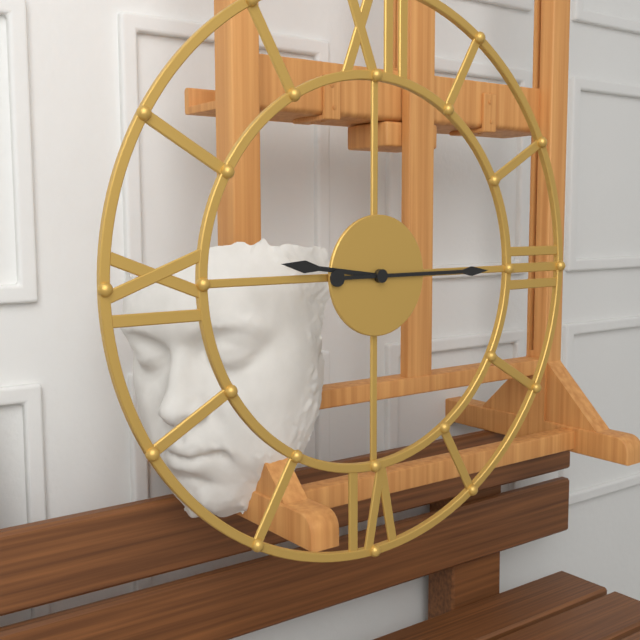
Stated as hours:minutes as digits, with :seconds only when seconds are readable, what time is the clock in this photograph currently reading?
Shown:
9:15
